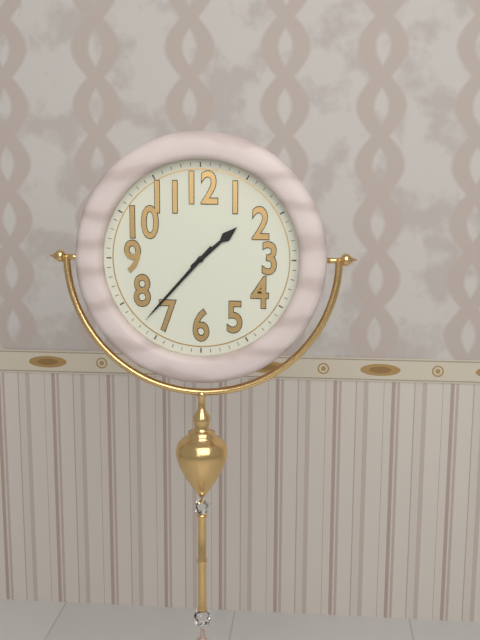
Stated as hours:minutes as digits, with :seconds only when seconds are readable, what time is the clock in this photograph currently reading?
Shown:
1:37
